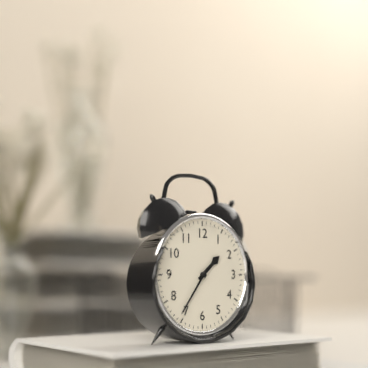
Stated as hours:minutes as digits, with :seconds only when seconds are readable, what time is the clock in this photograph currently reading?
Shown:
1:36
